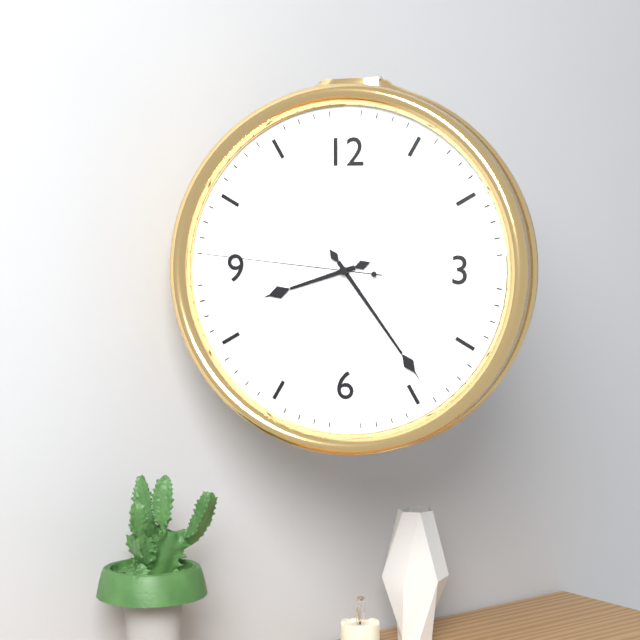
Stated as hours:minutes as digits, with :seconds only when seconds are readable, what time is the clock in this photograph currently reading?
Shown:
8:24:46
